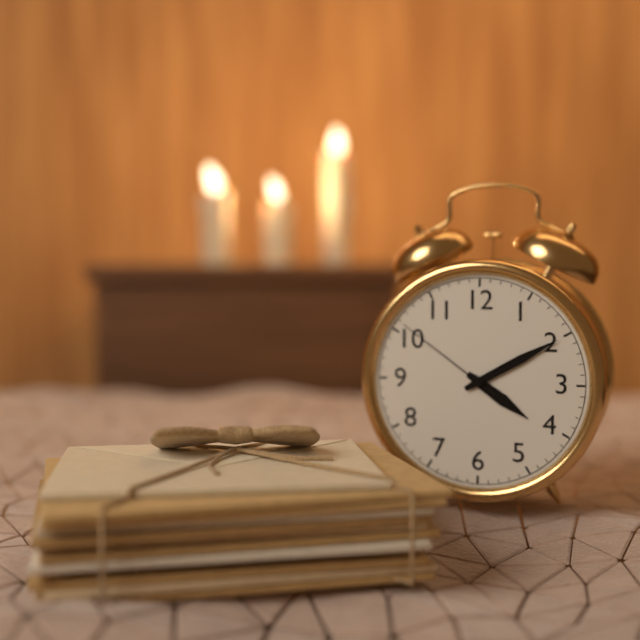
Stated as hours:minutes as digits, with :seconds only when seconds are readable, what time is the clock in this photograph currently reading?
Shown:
4:10:51
